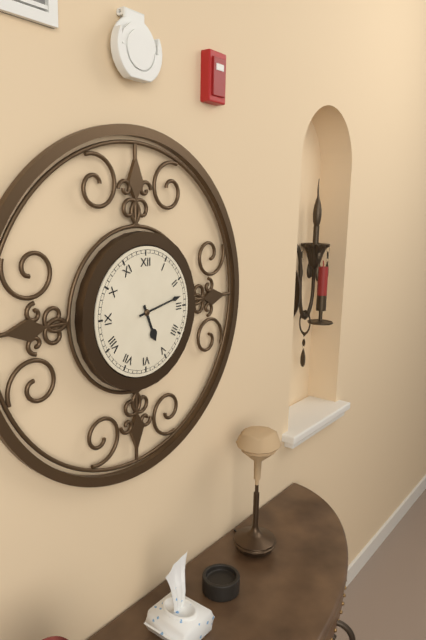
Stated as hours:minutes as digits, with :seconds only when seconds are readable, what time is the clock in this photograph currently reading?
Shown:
5:13
